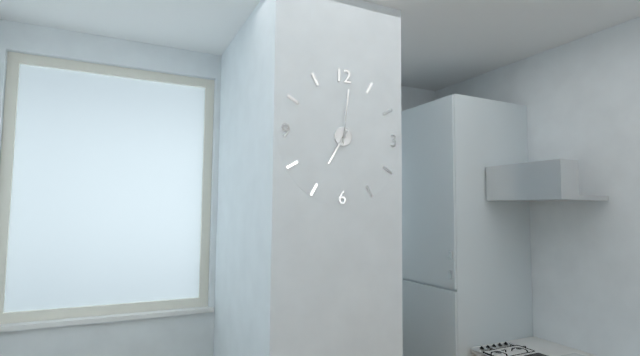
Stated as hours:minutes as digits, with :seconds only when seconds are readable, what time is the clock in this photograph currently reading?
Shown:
7:01
